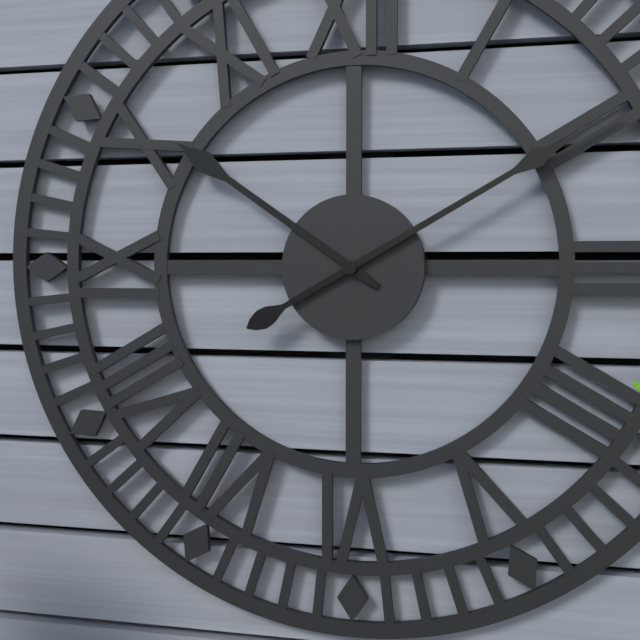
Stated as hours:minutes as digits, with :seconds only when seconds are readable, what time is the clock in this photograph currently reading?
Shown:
10:10
